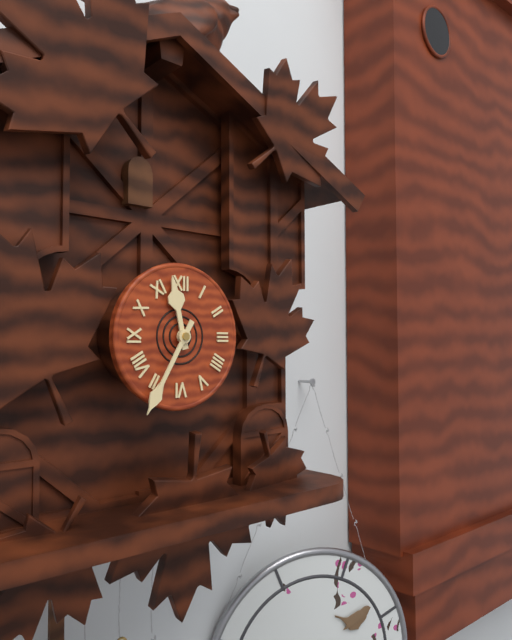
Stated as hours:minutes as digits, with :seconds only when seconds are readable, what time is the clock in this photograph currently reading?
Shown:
11:35
